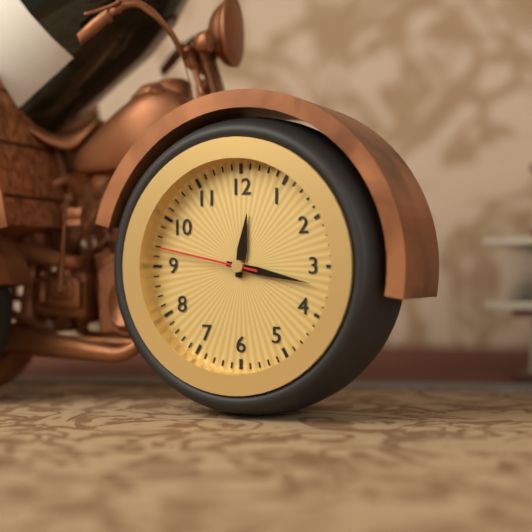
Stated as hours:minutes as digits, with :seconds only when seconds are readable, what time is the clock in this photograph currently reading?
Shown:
12:17:47
